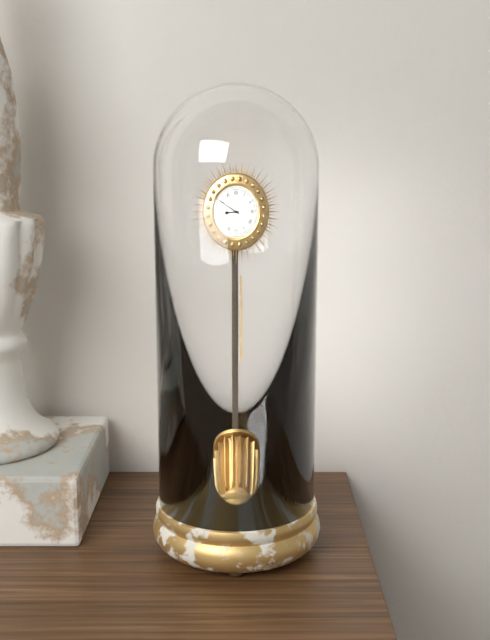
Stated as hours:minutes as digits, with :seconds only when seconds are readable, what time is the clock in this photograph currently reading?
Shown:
8:50
